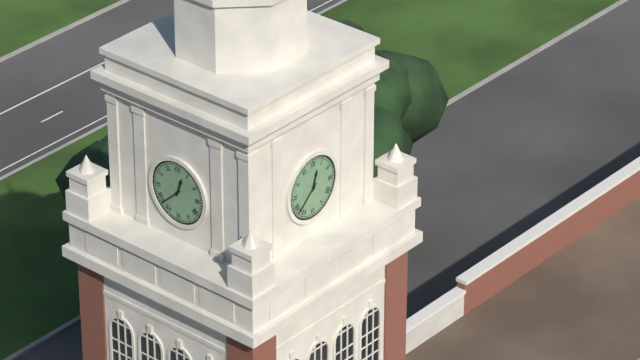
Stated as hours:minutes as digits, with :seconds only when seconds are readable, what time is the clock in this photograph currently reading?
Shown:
12:38
